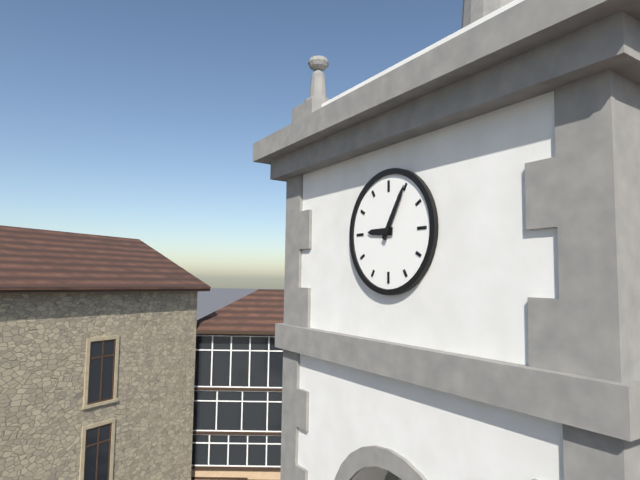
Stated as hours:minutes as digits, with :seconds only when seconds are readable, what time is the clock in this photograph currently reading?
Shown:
9:05
